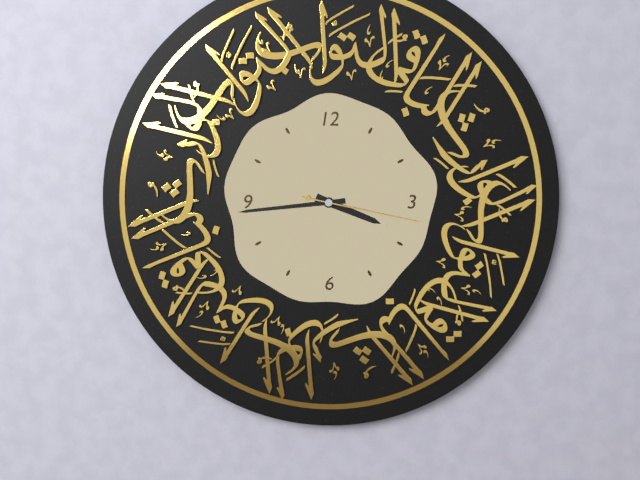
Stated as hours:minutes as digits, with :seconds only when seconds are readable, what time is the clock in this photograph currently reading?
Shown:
3:44:17
